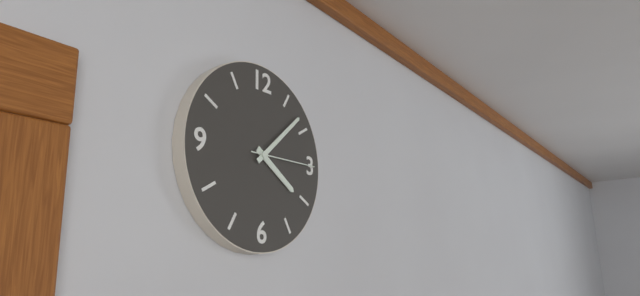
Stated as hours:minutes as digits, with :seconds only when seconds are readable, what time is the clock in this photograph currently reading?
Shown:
4:08:15
